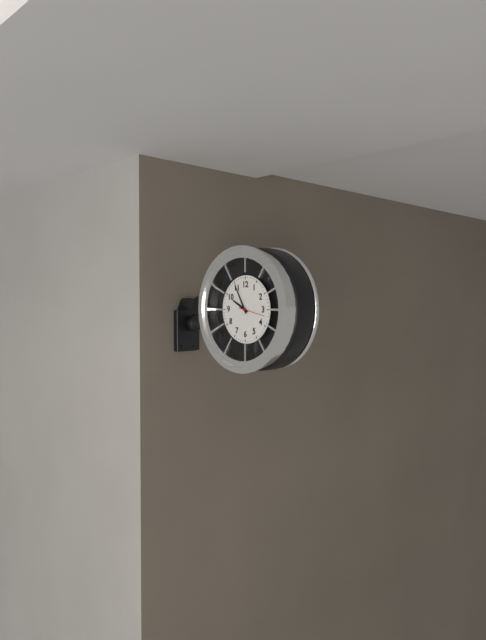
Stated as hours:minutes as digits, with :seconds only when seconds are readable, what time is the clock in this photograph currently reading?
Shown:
9:55
